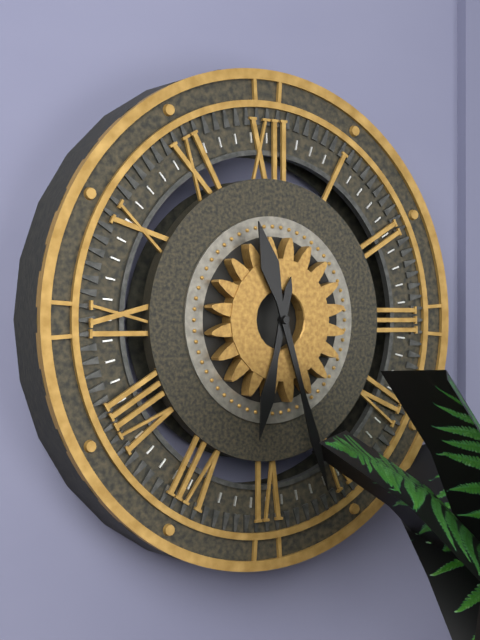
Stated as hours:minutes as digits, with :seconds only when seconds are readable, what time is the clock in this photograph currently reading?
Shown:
6:27
